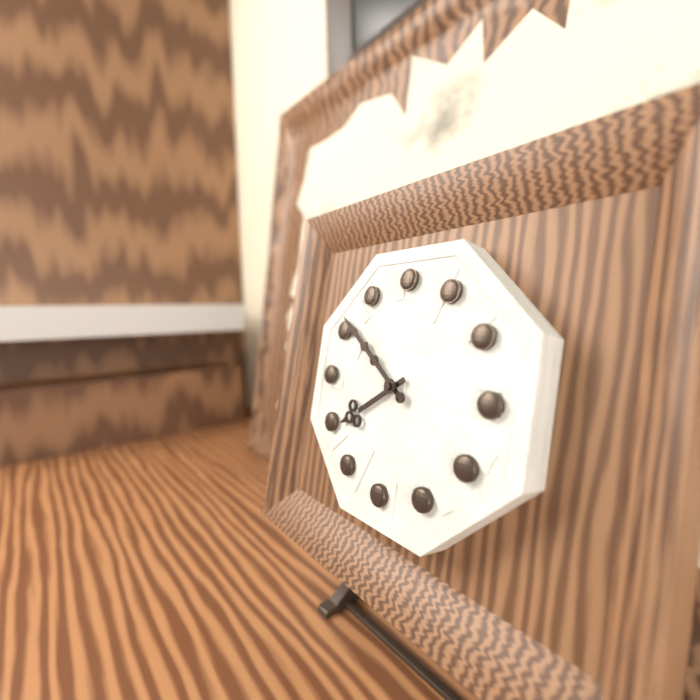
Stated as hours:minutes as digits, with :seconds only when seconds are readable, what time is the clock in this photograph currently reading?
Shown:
7:51
